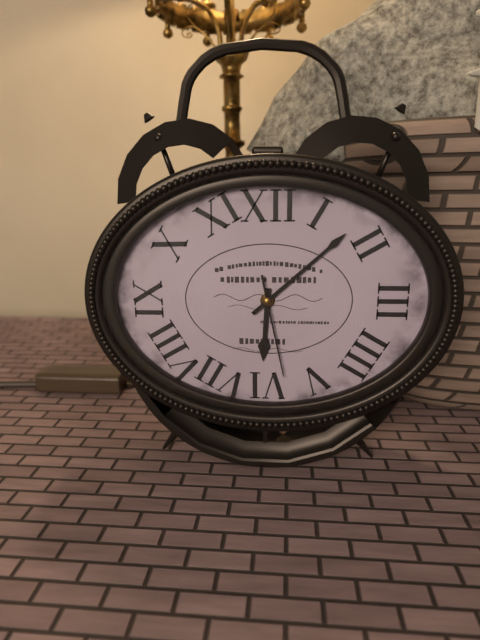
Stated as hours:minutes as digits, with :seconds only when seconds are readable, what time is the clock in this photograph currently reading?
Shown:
6:08:28
